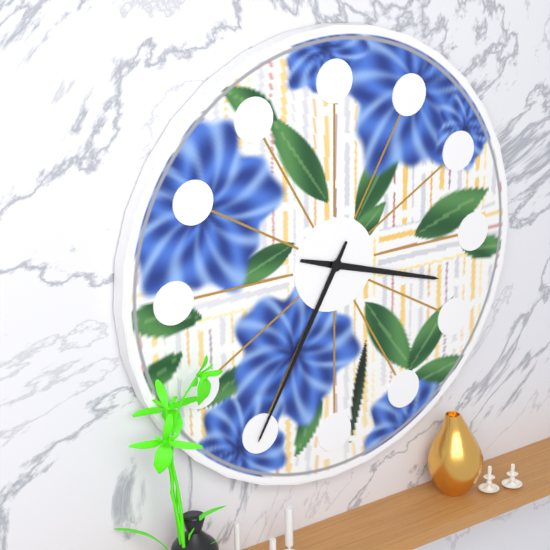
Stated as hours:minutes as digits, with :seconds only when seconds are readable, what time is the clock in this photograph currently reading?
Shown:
3:35
